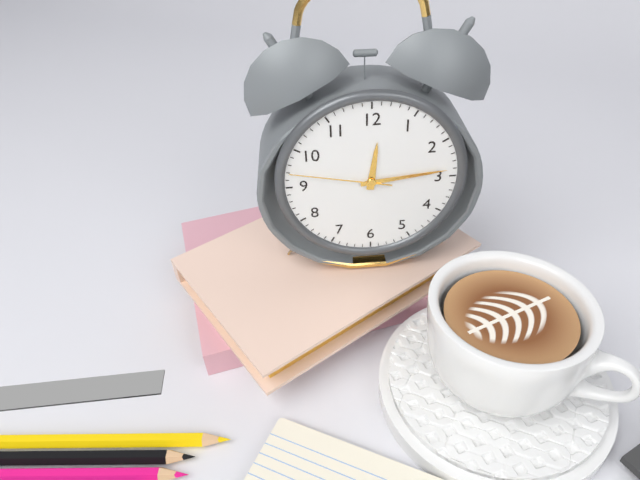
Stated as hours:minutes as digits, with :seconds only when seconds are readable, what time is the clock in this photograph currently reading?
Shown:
12:14:47
